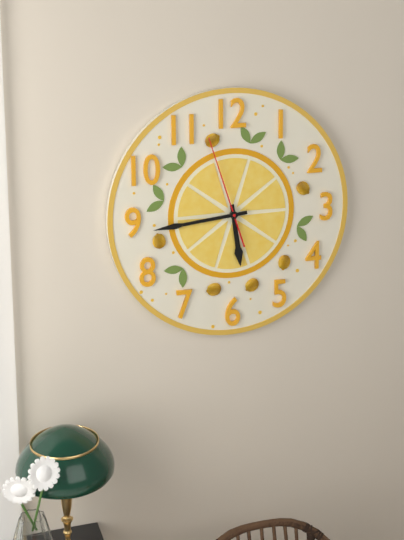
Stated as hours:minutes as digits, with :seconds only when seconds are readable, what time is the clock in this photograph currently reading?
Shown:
5:44:57
